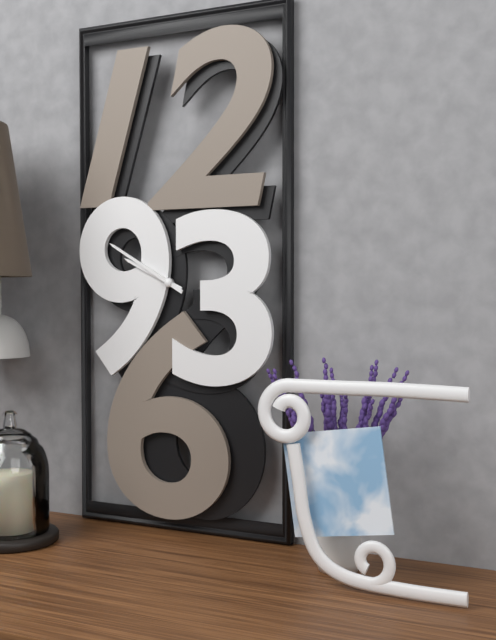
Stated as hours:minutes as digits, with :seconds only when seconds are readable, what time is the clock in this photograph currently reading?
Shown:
9:50
